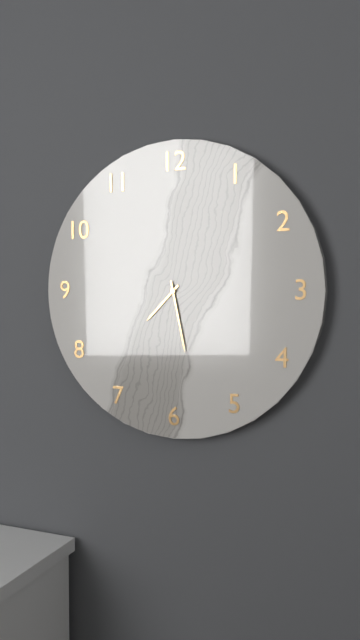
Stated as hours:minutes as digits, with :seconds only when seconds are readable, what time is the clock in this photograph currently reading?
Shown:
7:28
